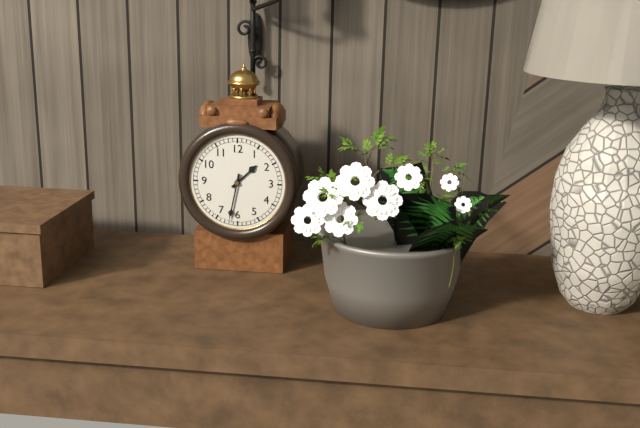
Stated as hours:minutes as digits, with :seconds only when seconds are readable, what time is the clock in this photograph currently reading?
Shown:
1:32
